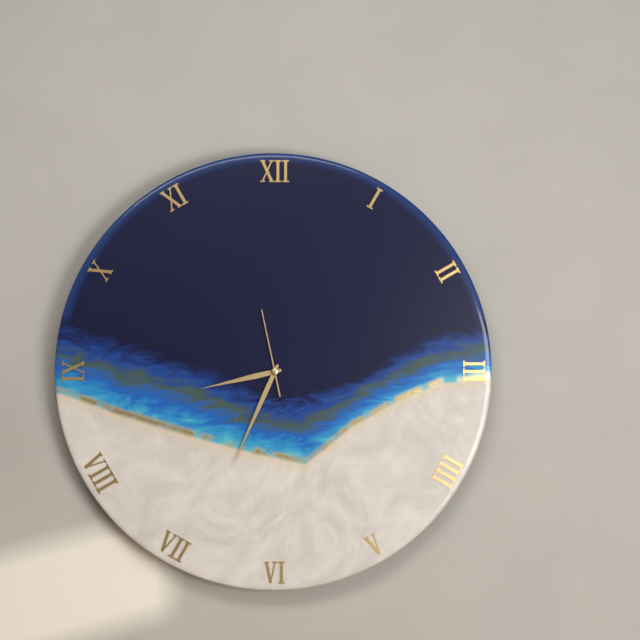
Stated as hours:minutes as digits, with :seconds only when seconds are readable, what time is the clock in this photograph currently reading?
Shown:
8:34:58
